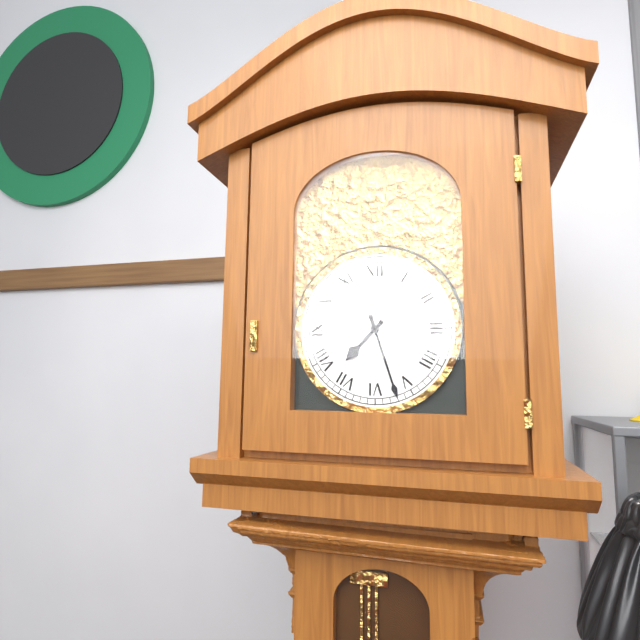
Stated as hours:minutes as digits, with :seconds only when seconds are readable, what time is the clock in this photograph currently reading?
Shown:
7:27
